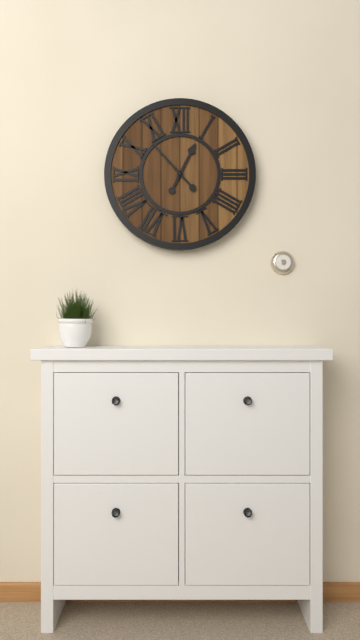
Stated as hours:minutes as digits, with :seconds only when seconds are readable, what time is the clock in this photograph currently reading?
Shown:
12:53
